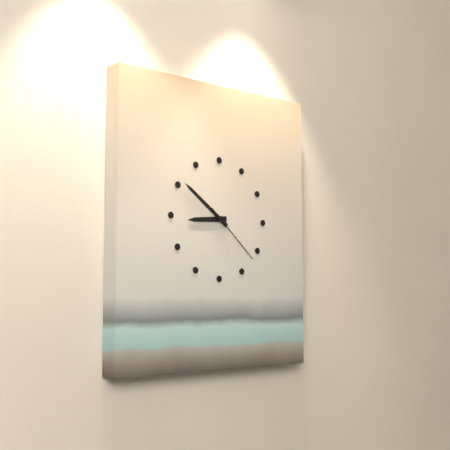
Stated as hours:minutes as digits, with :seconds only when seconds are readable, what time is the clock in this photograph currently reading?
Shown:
8:51:22
